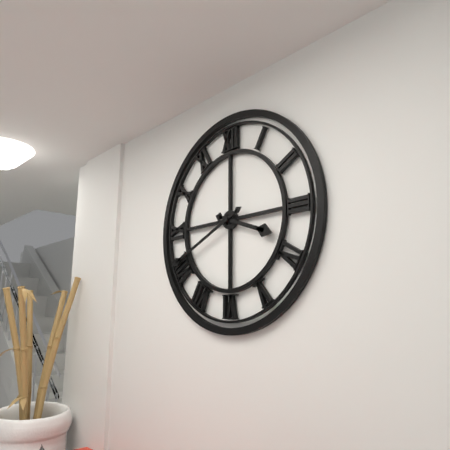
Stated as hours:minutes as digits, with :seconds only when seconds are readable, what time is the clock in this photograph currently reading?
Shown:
3:41
